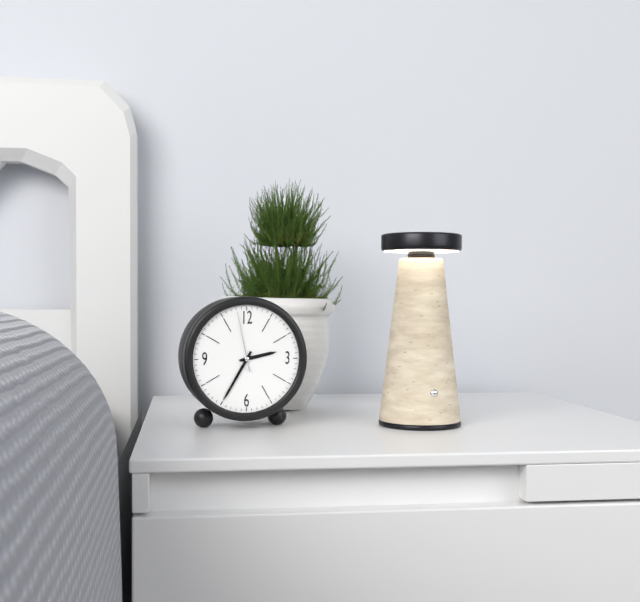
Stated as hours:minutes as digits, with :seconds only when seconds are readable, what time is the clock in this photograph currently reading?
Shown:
2:35:58
